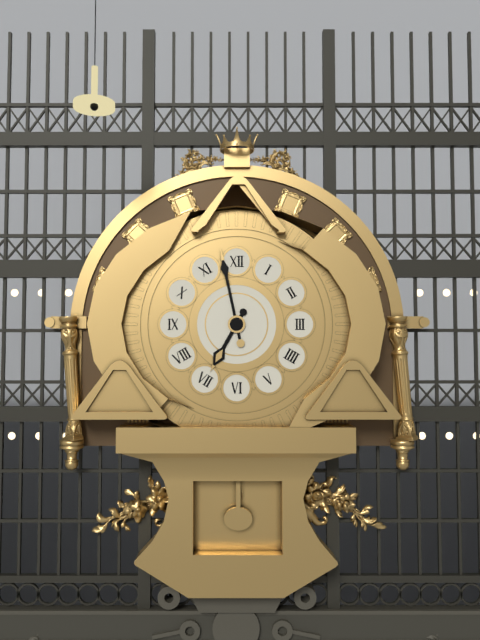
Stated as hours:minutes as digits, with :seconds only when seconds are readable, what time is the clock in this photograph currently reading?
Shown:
6:58
